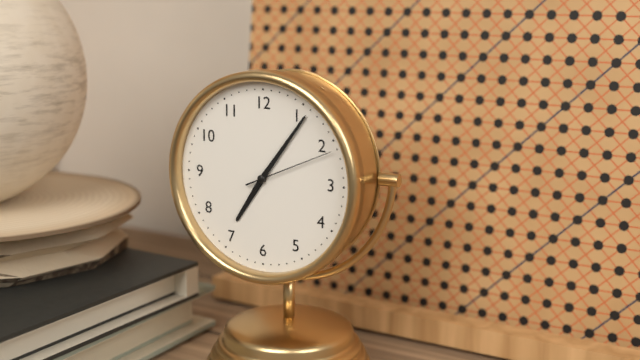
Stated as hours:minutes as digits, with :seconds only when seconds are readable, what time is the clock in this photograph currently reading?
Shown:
7:06:11
